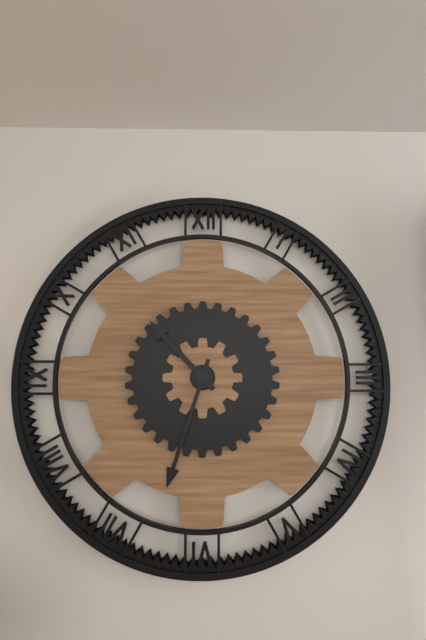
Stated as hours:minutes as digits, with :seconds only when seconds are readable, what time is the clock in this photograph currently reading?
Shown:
10:33
